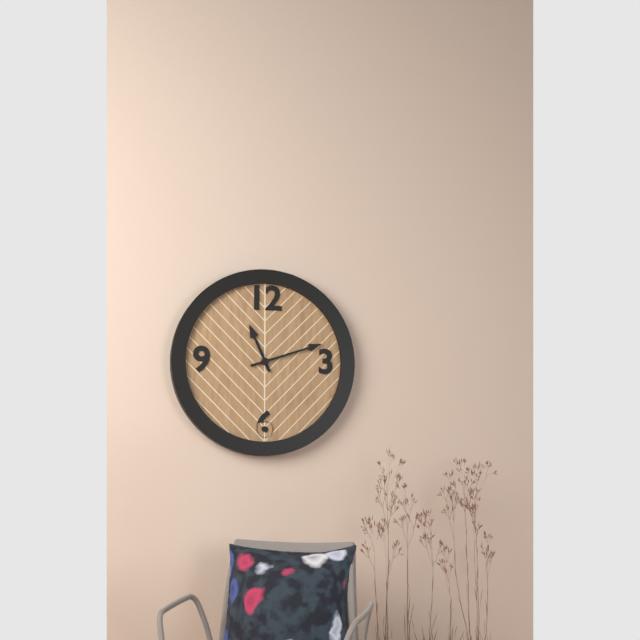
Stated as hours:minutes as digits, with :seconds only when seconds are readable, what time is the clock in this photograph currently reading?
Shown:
11:12
